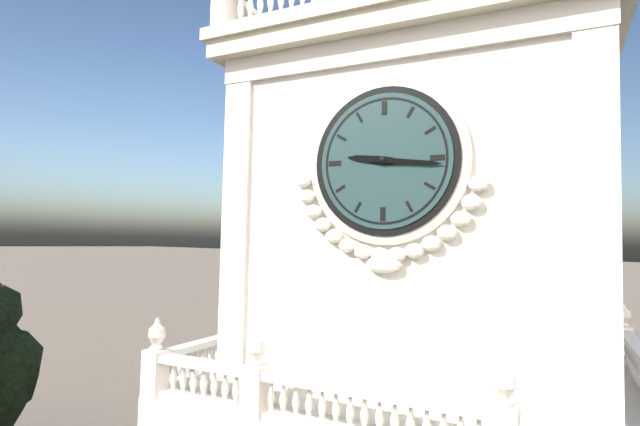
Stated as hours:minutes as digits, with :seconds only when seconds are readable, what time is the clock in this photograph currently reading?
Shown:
9:16
